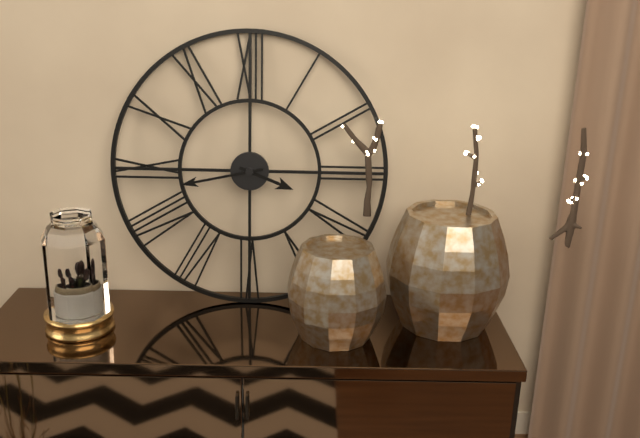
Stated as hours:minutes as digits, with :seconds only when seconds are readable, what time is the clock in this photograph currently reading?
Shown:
3:43
